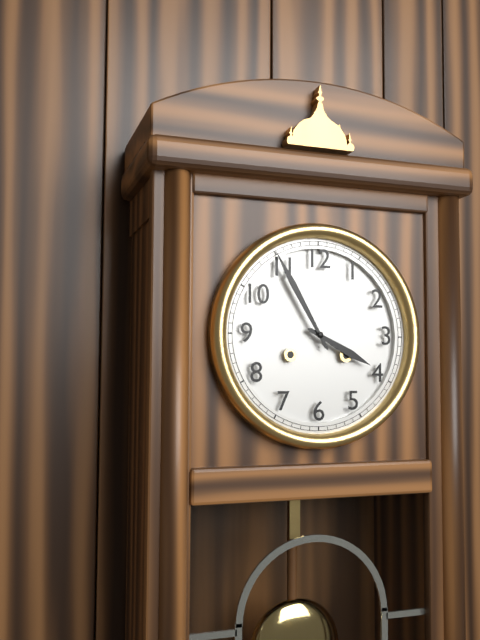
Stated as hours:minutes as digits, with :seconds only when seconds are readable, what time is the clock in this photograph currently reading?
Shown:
3:55
